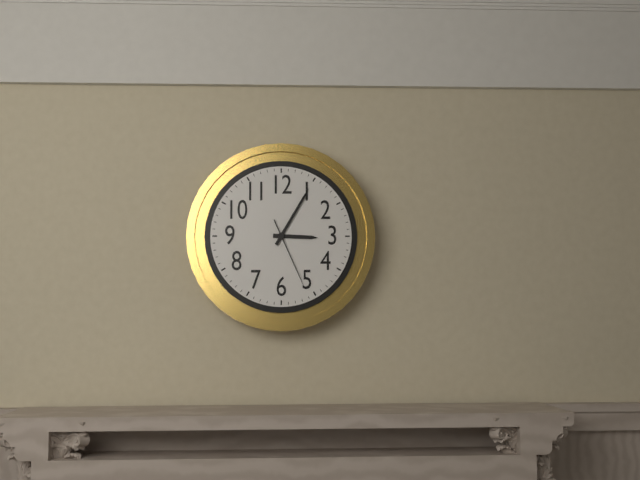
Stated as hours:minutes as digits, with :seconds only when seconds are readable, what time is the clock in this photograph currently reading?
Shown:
3:05:26
